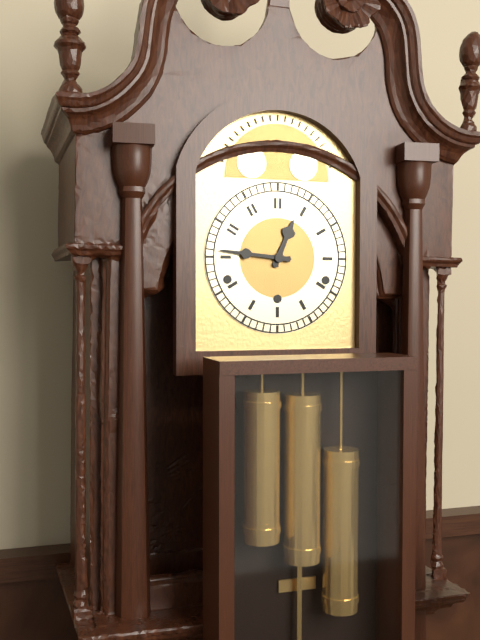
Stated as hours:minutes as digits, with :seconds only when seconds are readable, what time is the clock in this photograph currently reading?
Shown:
12:46
